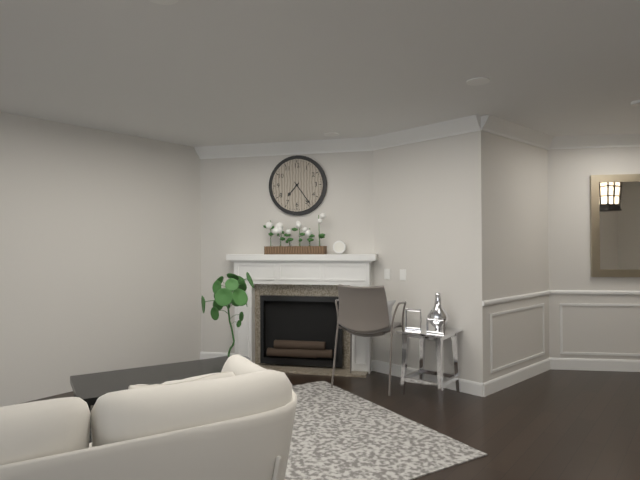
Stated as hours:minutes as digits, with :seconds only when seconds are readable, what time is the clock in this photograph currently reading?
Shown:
7:24
